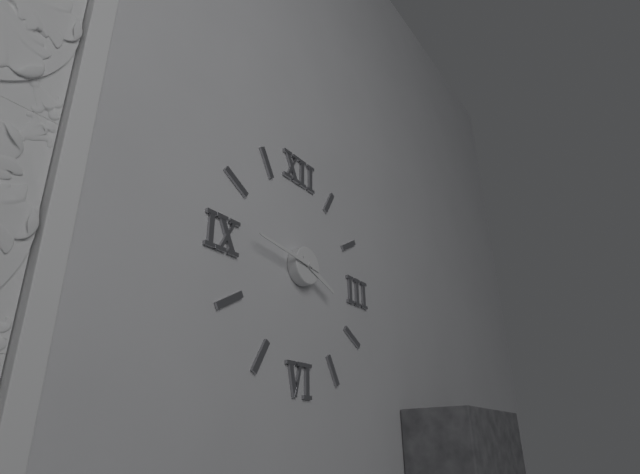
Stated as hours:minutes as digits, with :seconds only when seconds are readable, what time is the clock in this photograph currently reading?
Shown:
3:46
